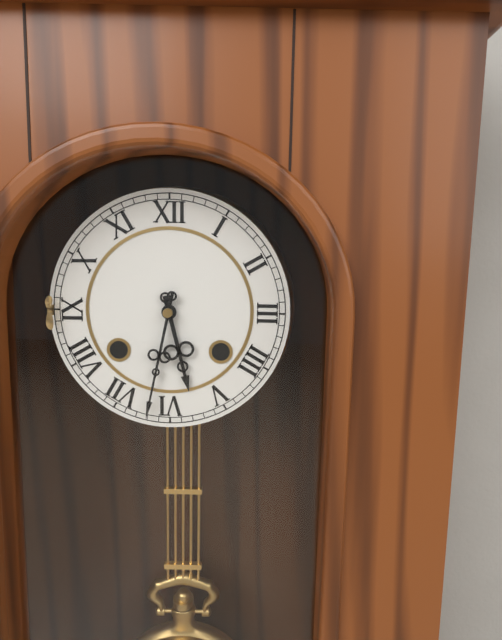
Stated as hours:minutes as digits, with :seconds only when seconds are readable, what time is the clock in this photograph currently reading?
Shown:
5:32
